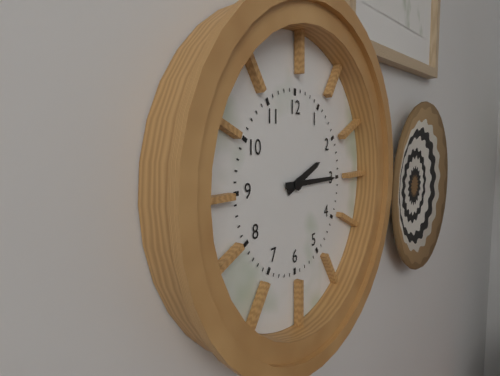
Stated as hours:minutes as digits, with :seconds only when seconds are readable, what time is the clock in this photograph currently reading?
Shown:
2:15
